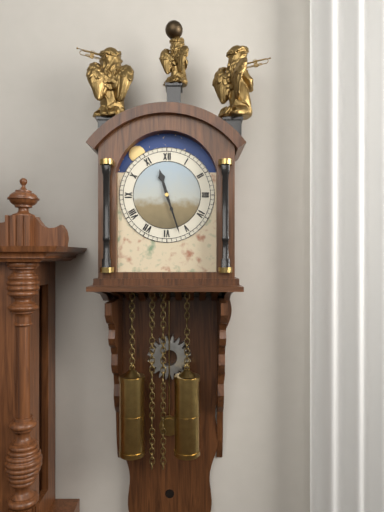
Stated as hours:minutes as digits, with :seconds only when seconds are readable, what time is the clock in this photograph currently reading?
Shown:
11:27
